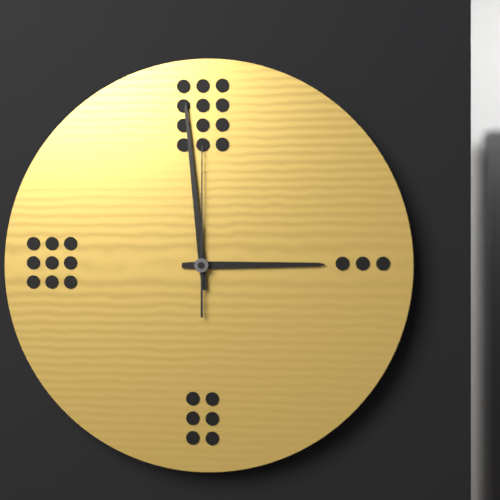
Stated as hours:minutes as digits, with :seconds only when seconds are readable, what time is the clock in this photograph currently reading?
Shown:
2:59:00
